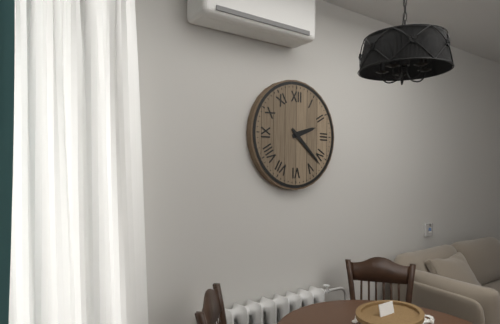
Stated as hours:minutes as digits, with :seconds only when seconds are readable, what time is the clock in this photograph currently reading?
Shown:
2:22
